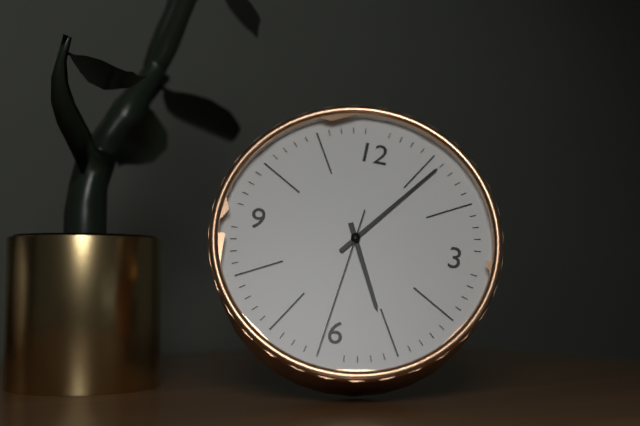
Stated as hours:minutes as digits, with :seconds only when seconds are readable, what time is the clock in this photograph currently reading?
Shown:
5:06:31
